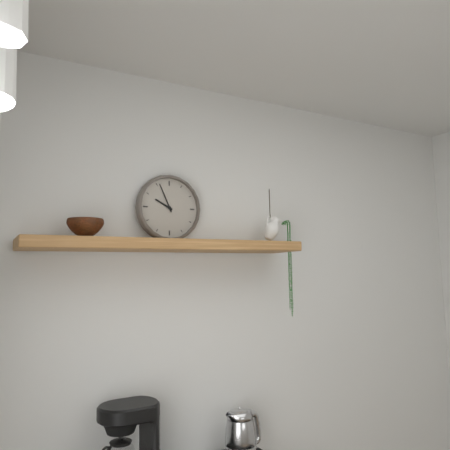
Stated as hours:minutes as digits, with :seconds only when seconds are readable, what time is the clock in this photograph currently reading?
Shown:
9:56
